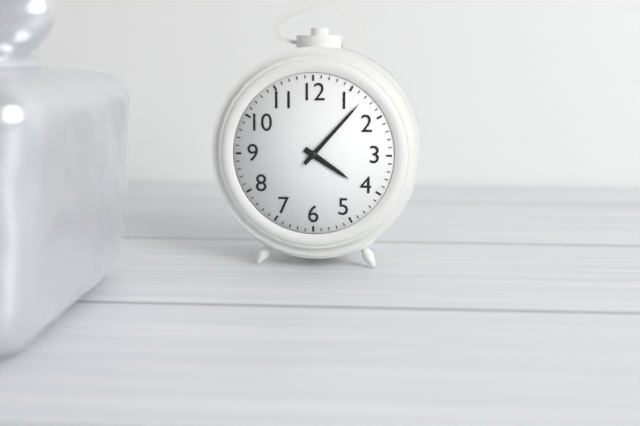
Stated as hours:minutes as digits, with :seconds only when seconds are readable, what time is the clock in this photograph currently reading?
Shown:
4:07
